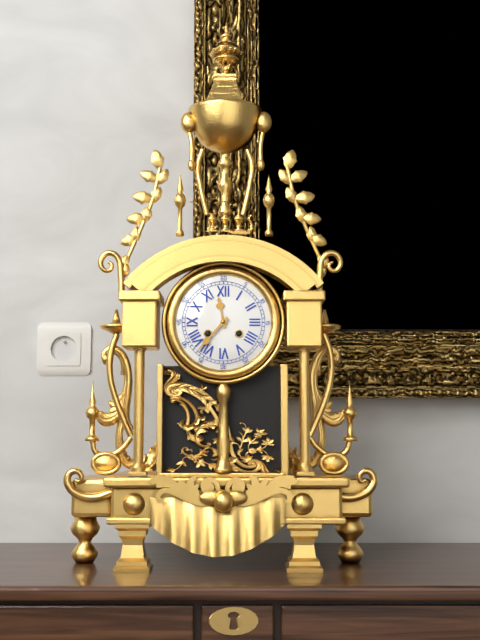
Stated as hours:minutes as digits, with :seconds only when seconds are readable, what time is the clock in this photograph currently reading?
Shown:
11:37
